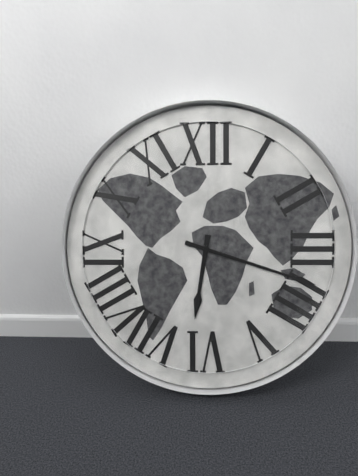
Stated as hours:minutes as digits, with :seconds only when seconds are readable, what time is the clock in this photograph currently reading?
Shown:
6:18
